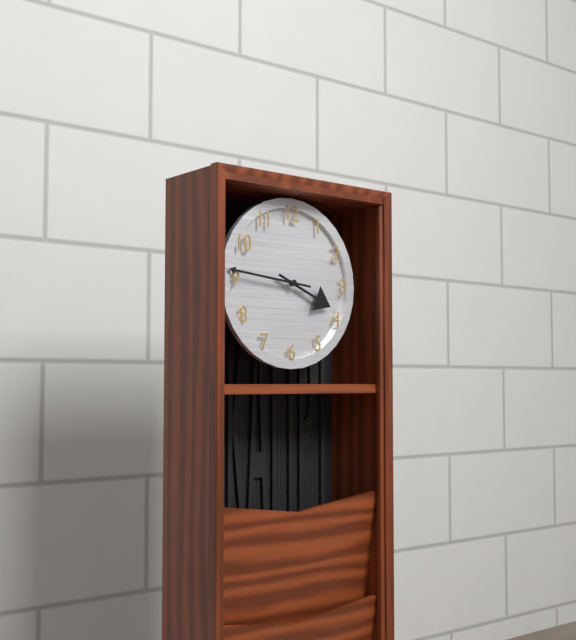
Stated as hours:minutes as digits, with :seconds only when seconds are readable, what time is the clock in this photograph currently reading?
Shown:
3:46
